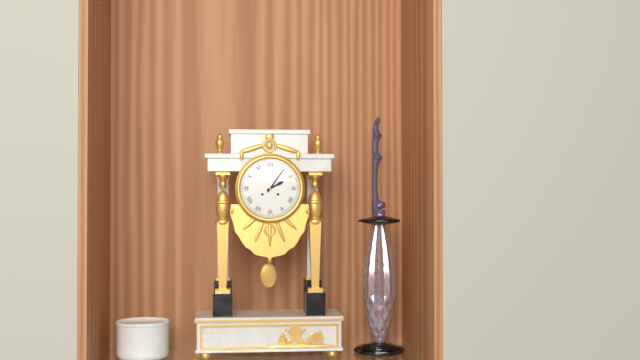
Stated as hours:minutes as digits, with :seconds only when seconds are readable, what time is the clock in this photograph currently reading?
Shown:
2:06
